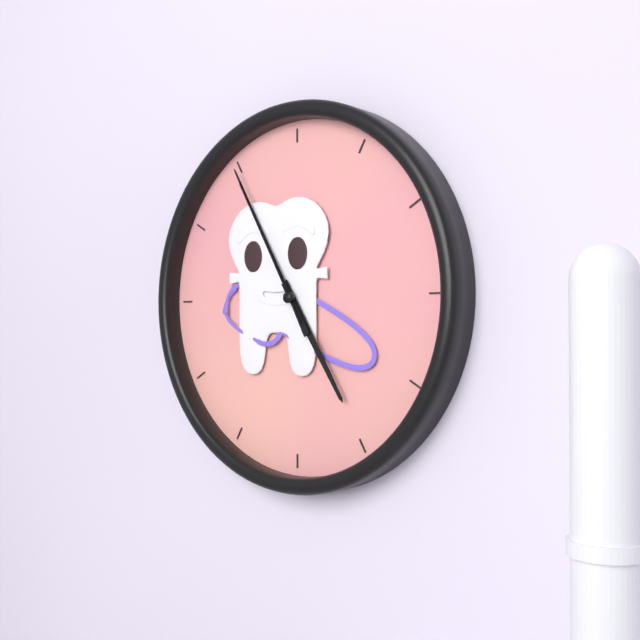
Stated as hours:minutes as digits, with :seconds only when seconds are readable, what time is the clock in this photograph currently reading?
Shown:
4:55:55
